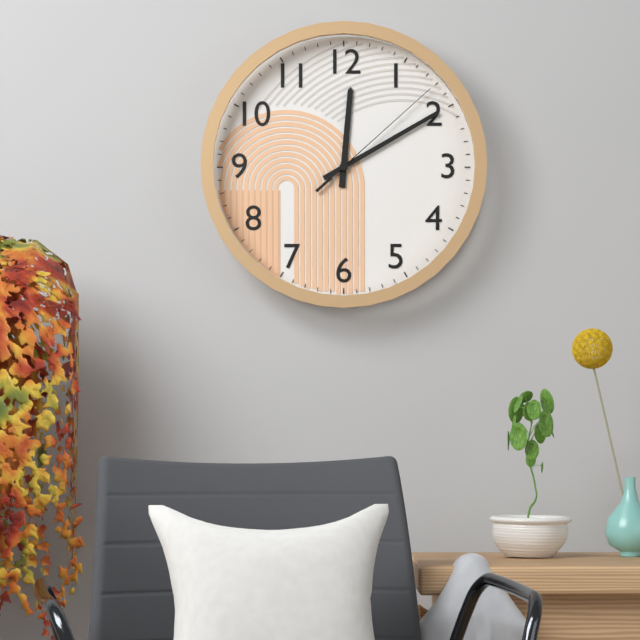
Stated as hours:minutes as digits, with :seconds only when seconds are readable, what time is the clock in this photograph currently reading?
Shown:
12:10:08
